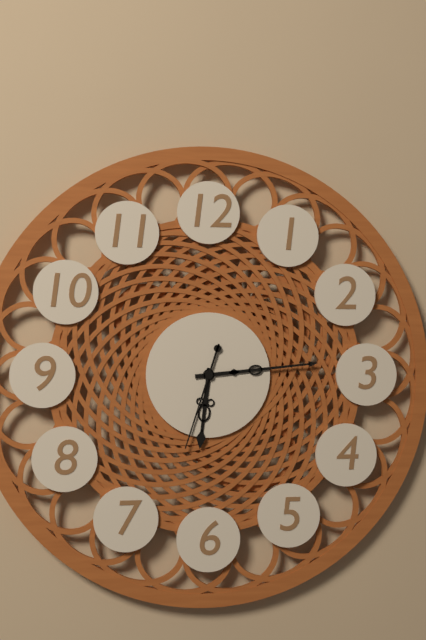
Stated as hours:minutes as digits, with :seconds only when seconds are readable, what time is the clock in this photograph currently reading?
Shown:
6:14:33
